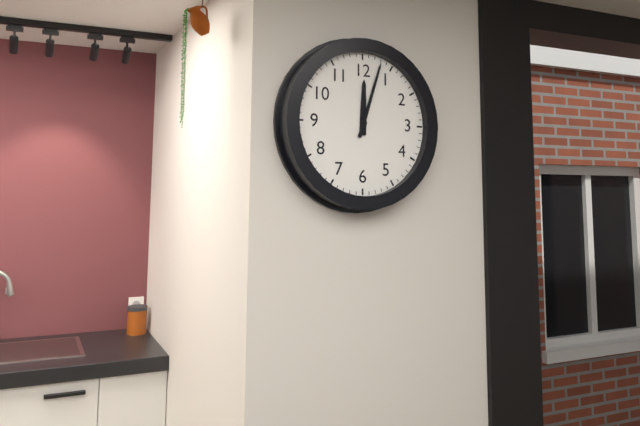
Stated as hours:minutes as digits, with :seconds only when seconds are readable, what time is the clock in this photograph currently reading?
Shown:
12:03
